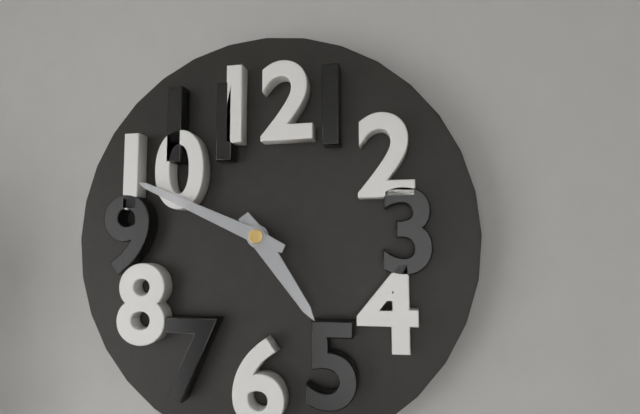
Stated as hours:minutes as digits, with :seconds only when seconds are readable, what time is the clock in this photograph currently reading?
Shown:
4:49
